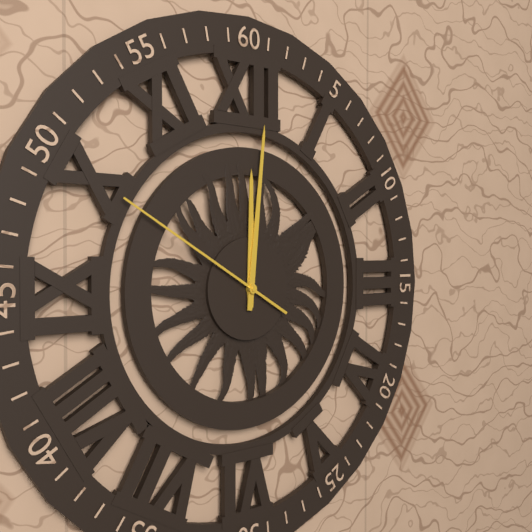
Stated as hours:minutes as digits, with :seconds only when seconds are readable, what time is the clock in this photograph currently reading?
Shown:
12:01:50
